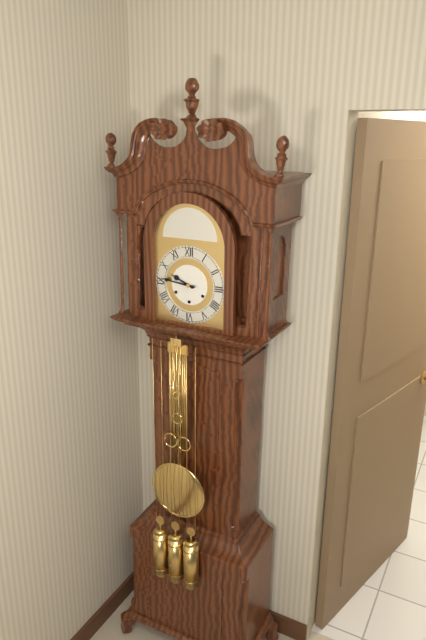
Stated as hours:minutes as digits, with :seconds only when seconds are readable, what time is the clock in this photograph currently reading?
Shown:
9:46
